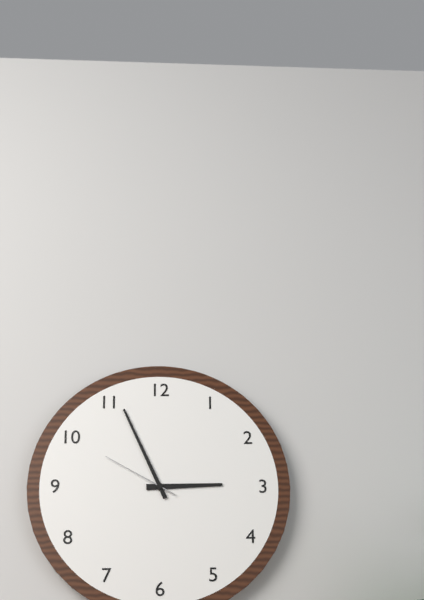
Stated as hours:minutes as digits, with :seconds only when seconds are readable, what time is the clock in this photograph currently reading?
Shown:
2:56:50
